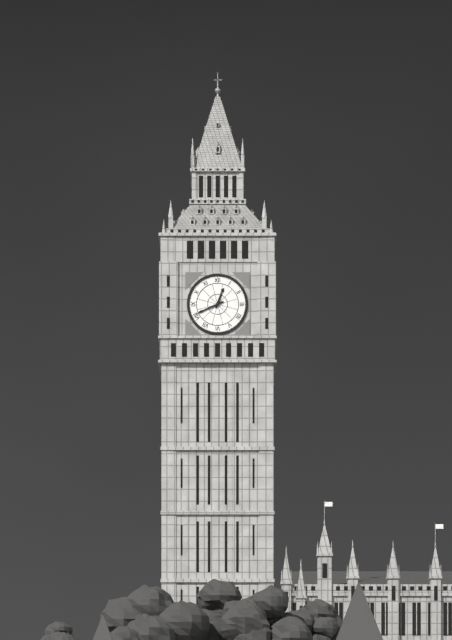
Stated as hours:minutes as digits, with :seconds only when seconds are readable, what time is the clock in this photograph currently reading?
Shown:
12:41
